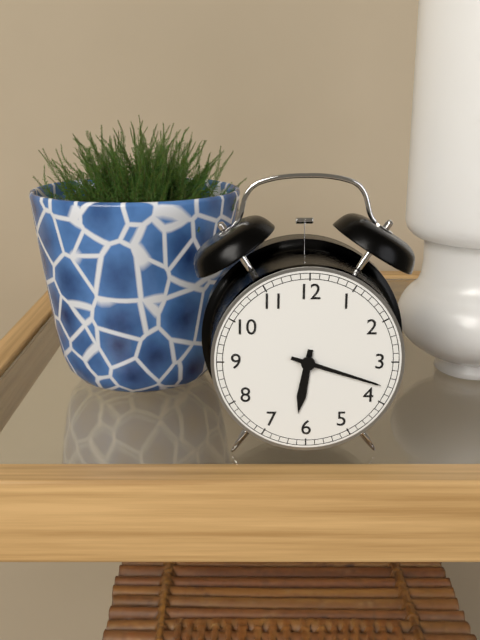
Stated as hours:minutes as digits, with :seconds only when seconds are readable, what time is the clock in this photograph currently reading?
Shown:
6:18
